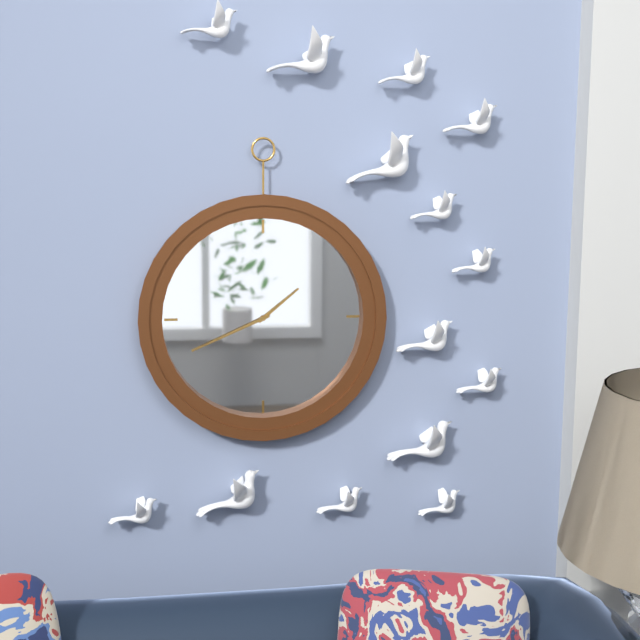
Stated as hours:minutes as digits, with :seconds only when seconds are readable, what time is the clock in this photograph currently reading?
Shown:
1:41
